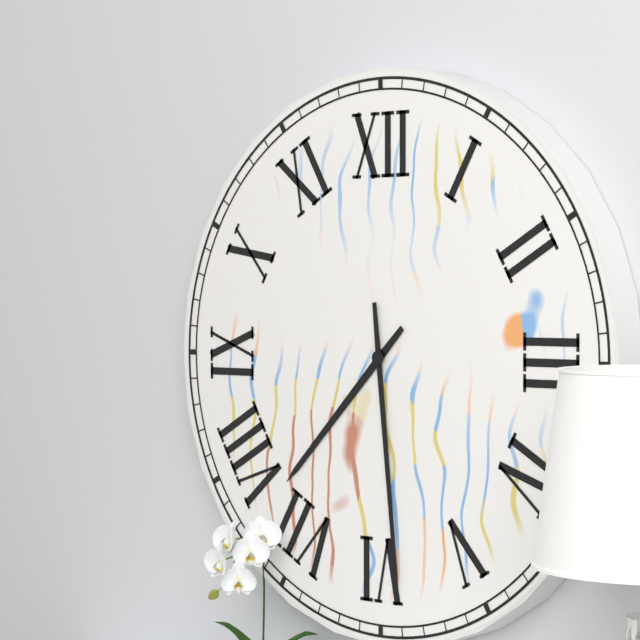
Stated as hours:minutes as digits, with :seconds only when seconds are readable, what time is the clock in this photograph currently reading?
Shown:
7:29
